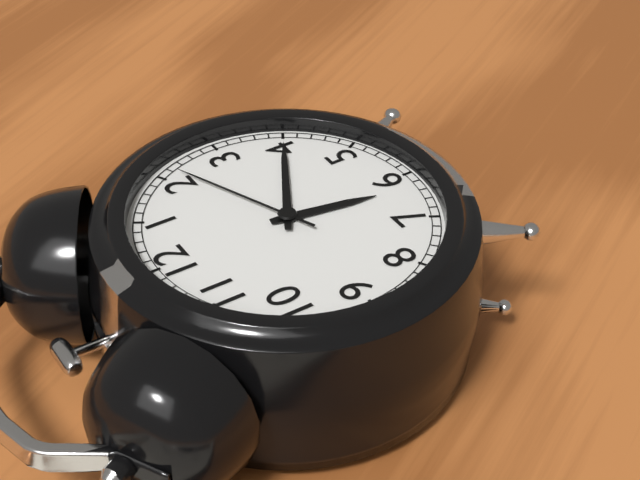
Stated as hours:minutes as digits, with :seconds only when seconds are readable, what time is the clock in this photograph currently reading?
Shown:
6:20:11
